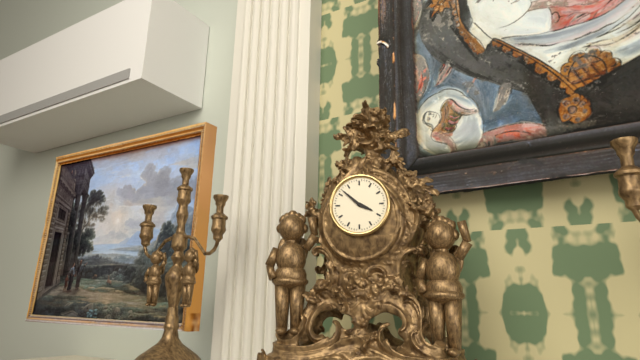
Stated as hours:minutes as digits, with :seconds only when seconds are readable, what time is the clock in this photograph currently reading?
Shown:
3:52
